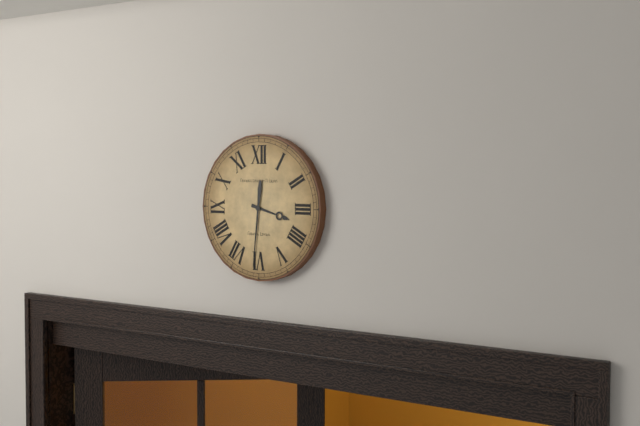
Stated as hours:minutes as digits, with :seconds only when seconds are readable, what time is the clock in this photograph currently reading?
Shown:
3:31
